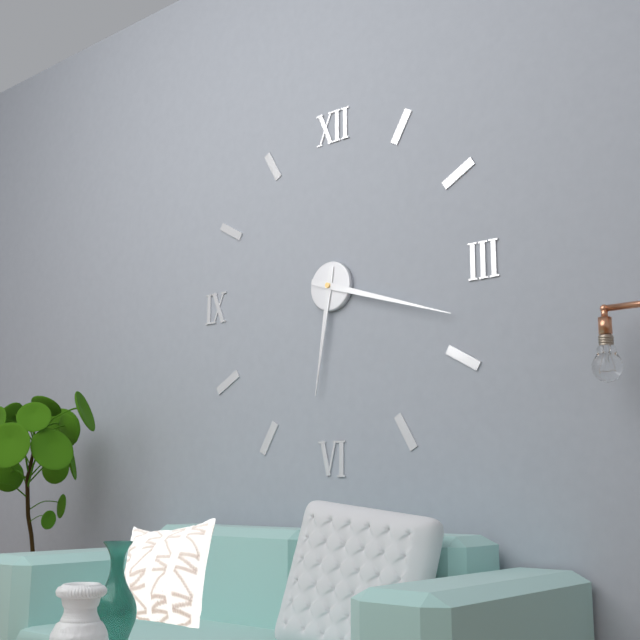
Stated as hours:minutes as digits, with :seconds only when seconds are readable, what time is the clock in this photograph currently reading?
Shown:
6:18
